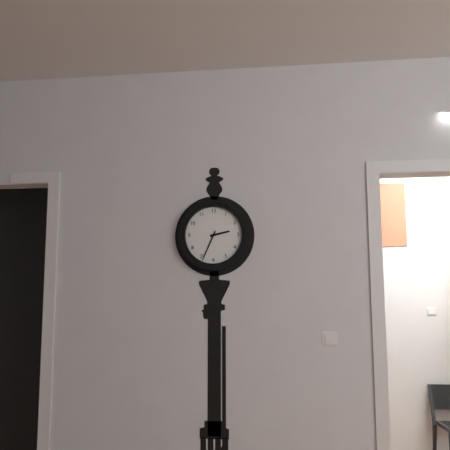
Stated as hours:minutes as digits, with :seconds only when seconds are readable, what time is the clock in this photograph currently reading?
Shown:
2:34
